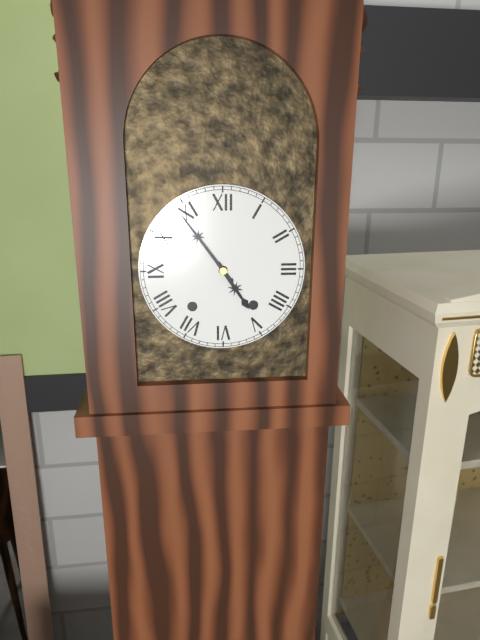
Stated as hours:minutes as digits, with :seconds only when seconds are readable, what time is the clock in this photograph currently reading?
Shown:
4:54
